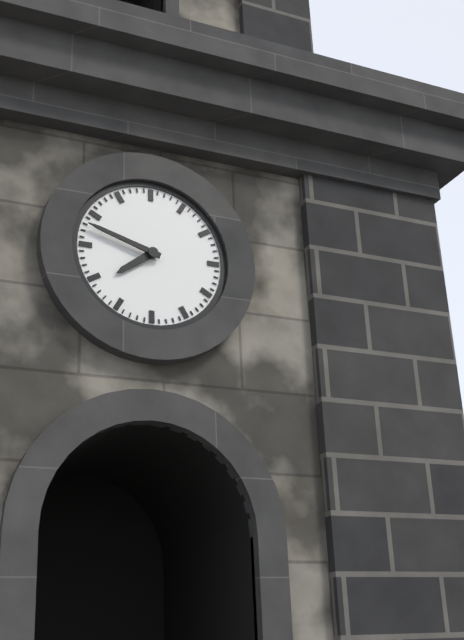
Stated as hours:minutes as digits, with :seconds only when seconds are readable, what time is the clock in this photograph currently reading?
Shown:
7:48
